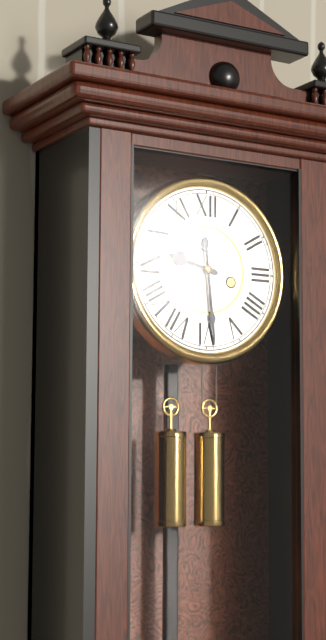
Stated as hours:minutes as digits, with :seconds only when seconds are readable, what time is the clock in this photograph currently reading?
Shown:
9:29
